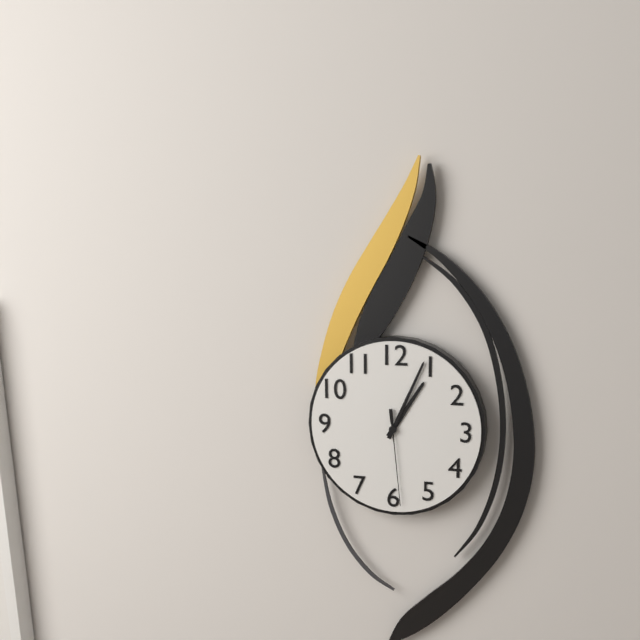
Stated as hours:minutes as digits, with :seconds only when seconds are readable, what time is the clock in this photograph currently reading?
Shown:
1:04:29
